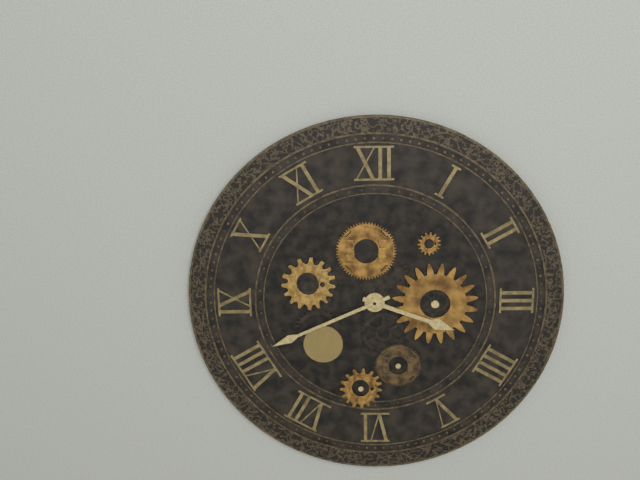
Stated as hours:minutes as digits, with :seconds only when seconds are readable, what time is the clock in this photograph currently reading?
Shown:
3:41
